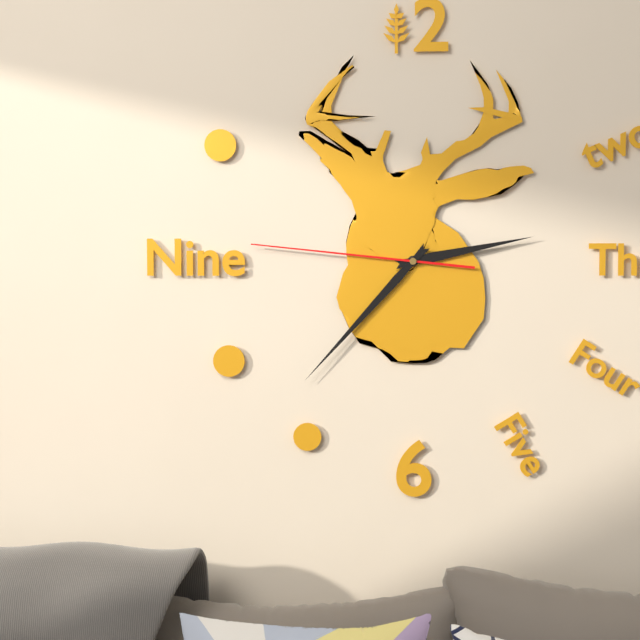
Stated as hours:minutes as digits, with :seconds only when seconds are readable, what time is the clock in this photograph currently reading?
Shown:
2:37:46
